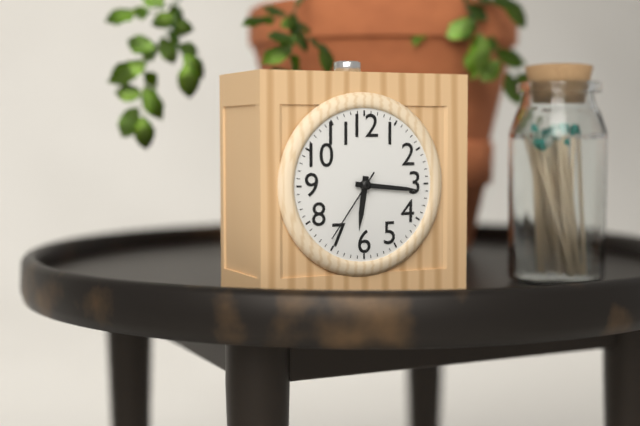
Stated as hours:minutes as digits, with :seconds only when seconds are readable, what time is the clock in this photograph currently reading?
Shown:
6:16:36
